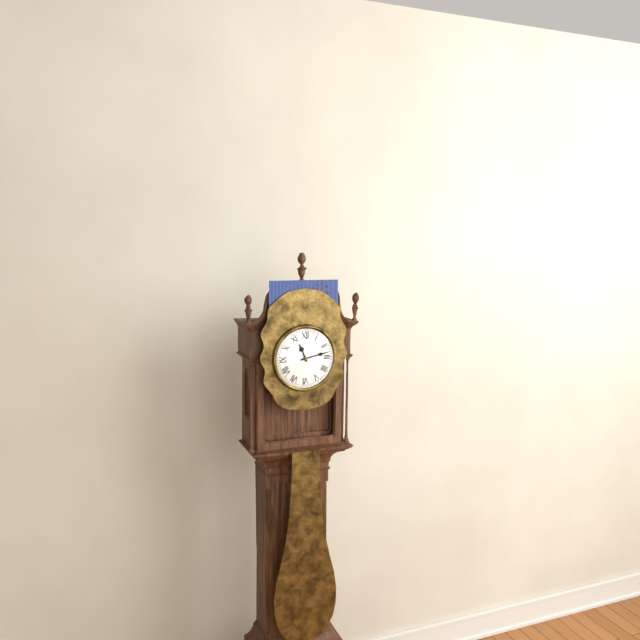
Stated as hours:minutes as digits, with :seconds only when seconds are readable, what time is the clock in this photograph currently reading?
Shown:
11:13
